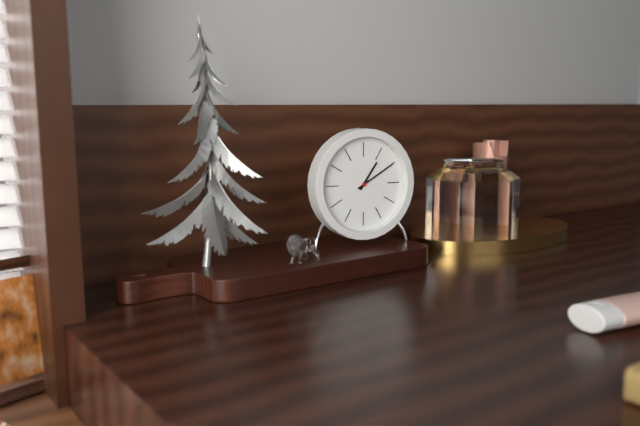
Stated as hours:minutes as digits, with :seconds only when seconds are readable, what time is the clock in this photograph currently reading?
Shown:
1:10
